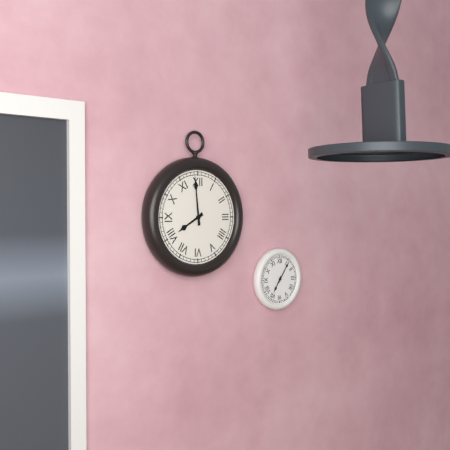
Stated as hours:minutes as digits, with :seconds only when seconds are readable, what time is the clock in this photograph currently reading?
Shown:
7:59
